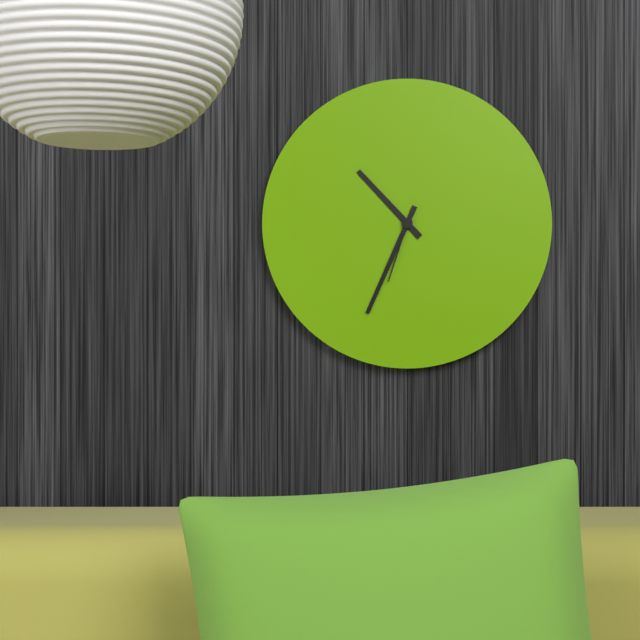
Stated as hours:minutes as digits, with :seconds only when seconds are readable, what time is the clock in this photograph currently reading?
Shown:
10:34:33
